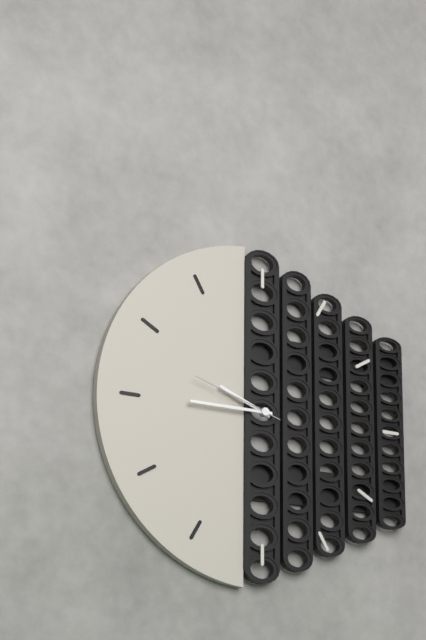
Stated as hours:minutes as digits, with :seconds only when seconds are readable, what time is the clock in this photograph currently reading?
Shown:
9:45:48
